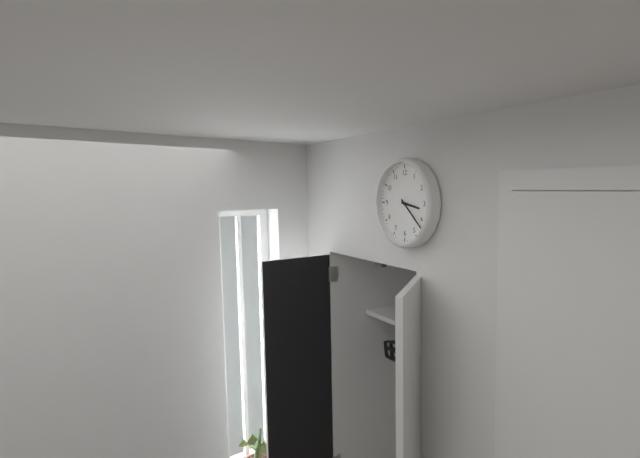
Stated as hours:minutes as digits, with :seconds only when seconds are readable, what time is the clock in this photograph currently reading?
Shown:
3:22
